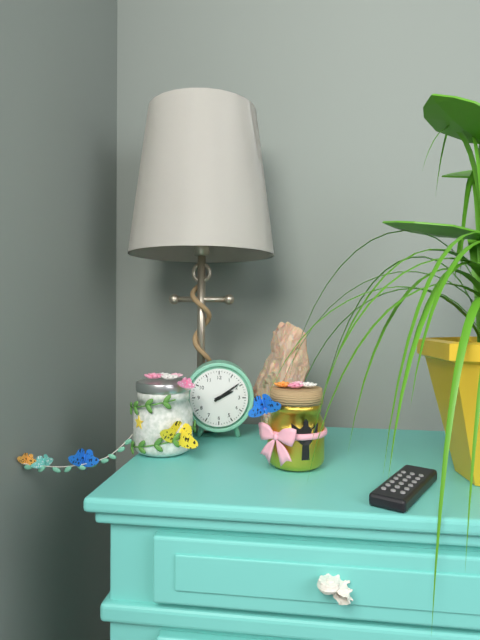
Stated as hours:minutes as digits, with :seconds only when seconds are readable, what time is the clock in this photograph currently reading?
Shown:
2:09
